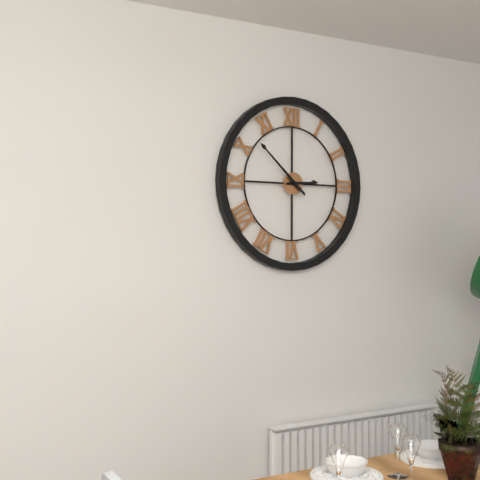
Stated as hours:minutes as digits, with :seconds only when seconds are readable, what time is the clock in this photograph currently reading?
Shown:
2:52
